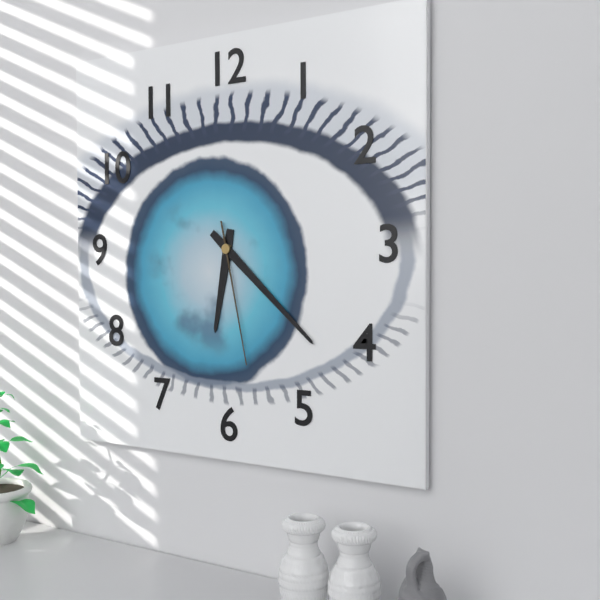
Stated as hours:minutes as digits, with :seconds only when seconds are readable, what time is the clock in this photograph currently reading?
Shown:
6:22:28
